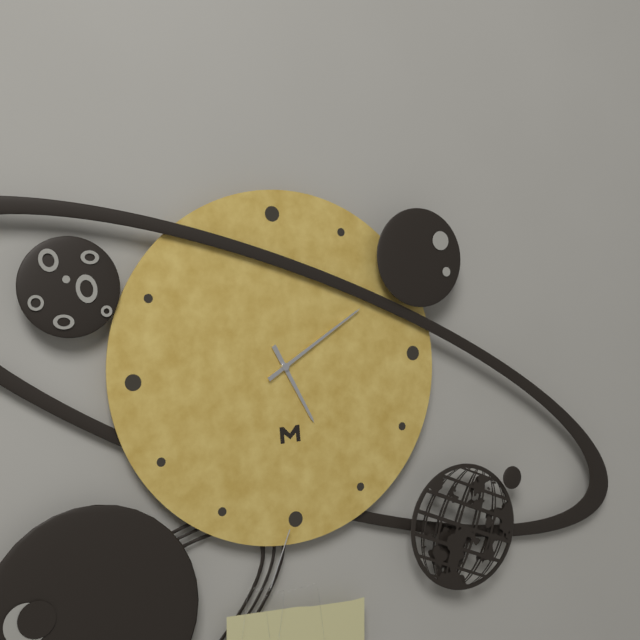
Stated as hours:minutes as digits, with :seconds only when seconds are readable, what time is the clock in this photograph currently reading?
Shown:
5:10
